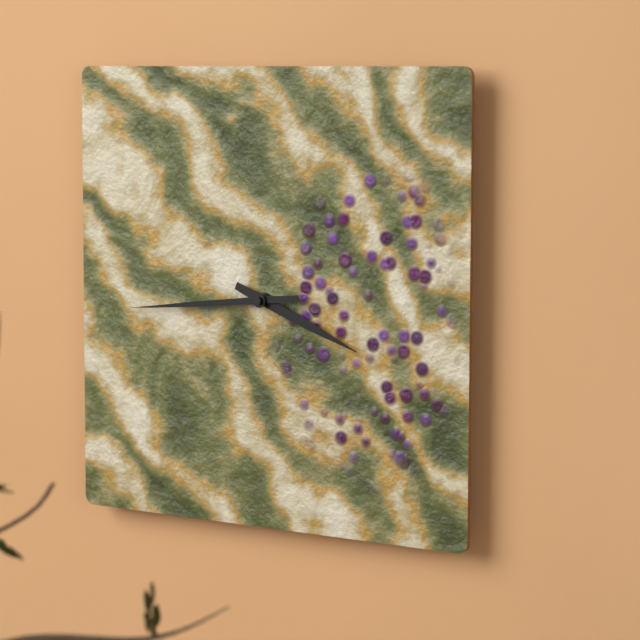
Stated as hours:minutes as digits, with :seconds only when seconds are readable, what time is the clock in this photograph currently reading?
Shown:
3:44
